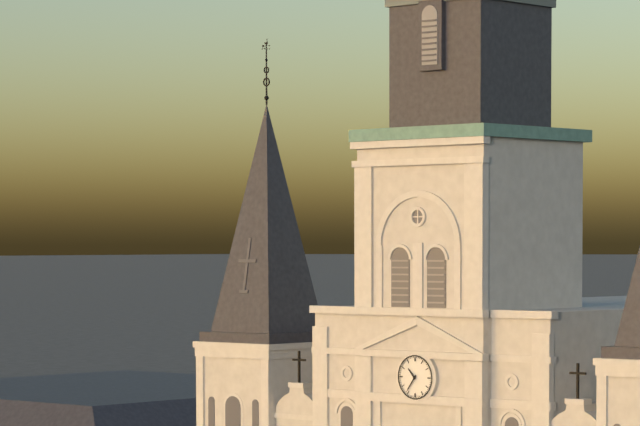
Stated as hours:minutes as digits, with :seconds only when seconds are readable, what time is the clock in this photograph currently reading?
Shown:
10:36
